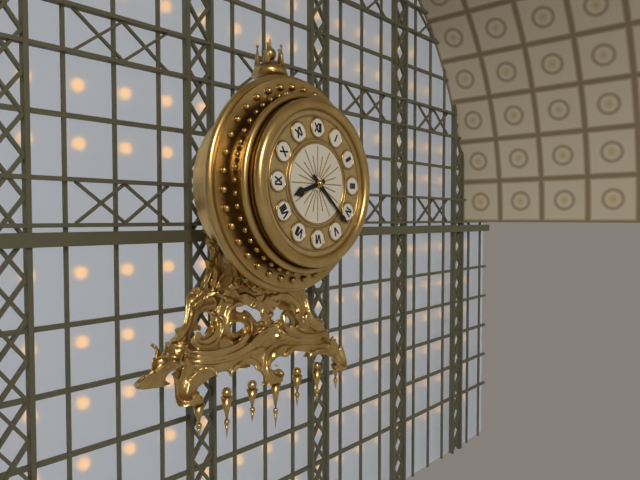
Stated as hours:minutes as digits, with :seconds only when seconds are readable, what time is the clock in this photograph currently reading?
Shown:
8:22
